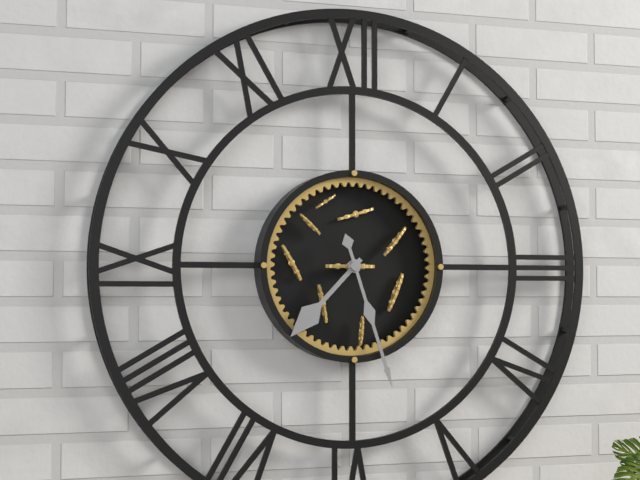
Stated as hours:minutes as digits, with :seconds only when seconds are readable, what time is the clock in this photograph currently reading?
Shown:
7:27
